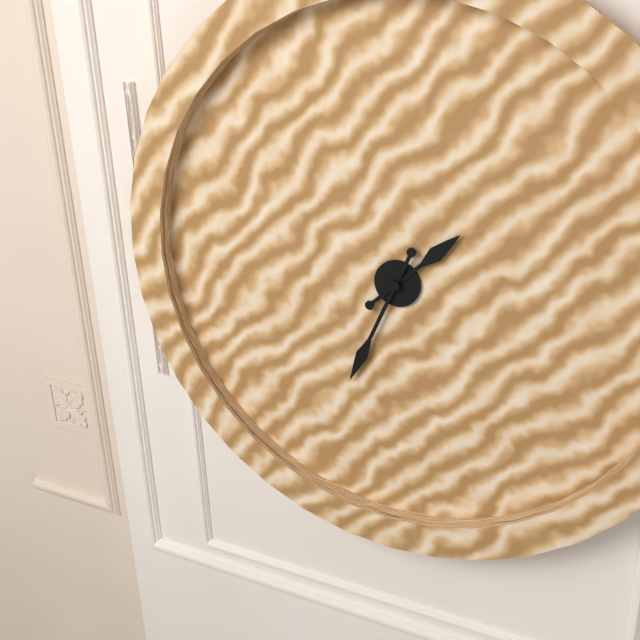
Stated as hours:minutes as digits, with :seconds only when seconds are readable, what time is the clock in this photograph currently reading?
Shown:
1:34
